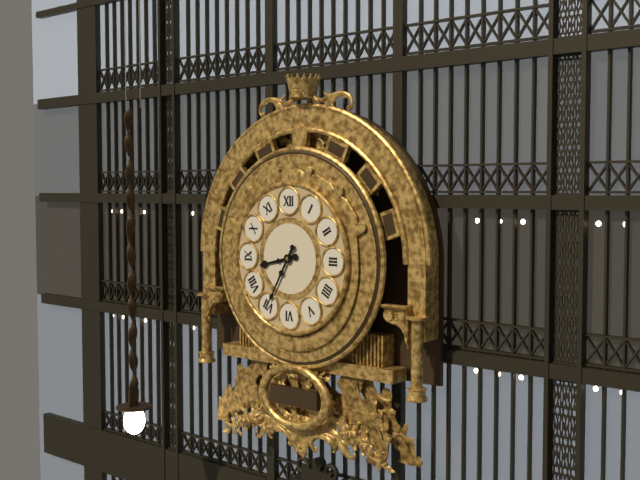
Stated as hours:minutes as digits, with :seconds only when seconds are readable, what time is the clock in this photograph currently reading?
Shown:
8:35
